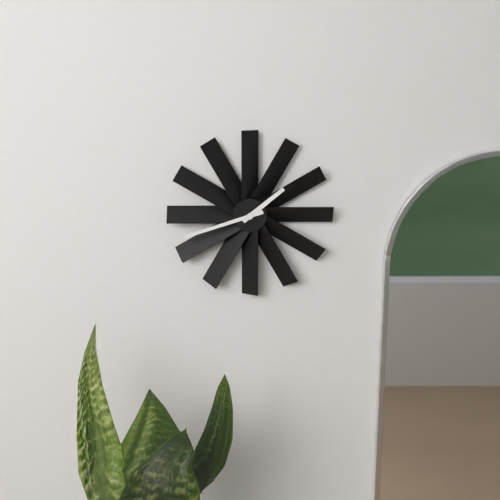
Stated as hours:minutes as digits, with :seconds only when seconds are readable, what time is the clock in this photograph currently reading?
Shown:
1:42
